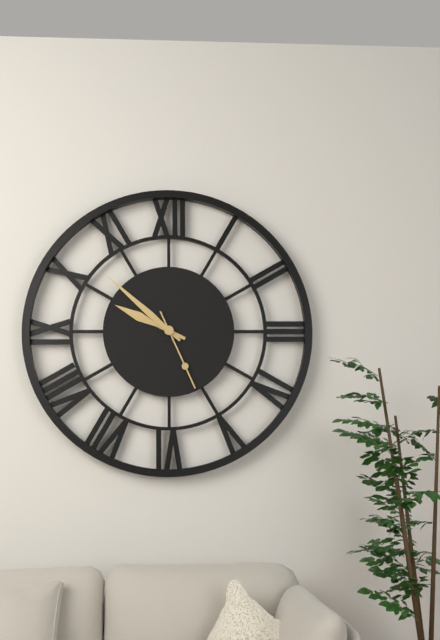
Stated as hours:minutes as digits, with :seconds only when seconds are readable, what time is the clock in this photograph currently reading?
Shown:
9:52:26
